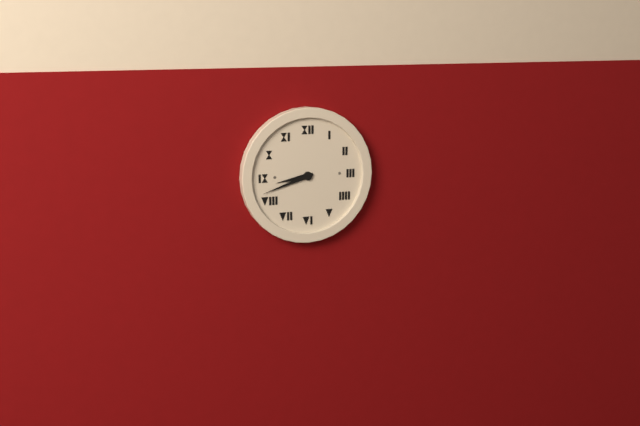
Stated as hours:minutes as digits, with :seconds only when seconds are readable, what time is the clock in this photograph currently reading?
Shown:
8:42
